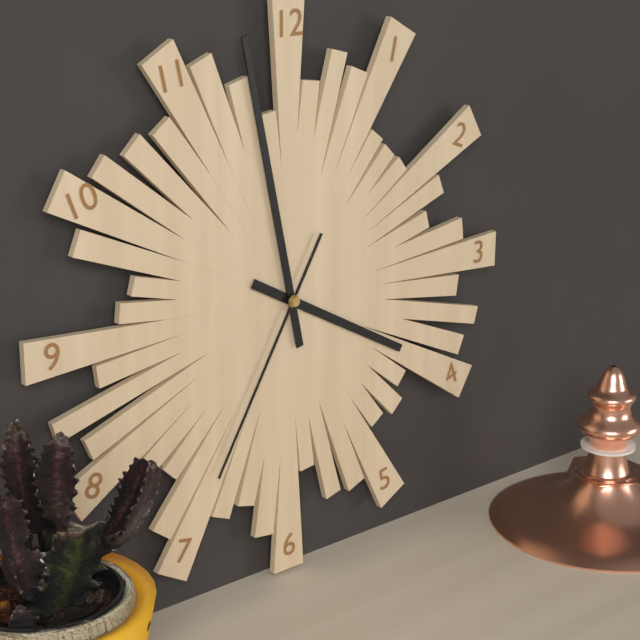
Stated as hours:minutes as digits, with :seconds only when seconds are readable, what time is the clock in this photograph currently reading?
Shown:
3:58:35
